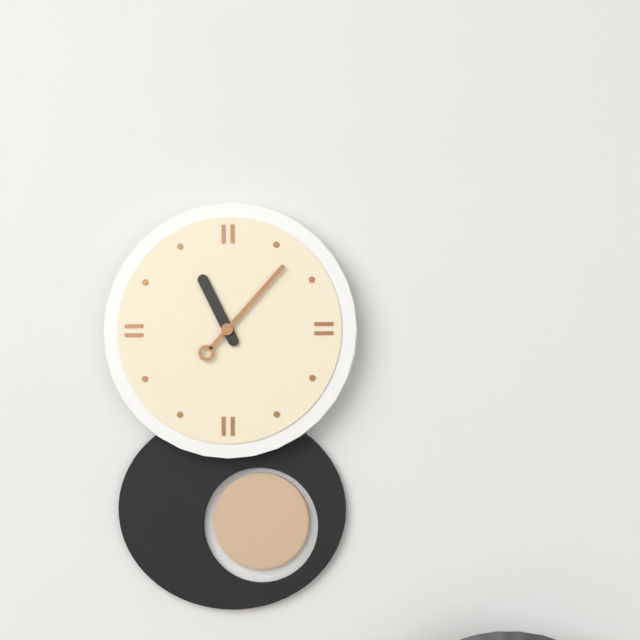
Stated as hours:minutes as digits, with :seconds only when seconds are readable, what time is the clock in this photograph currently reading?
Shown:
11:07
